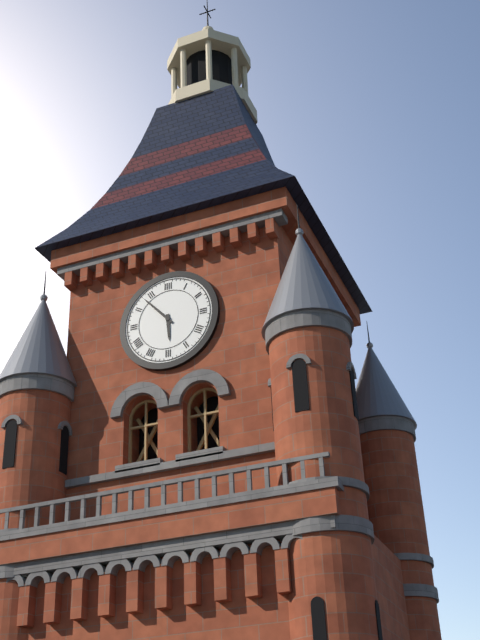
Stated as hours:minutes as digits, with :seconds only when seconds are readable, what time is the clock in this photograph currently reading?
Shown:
5:53
